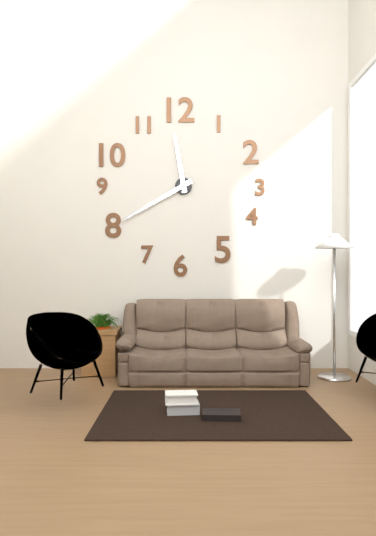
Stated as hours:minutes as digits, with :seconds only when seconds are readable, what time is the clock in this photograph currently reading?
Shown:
11:40
